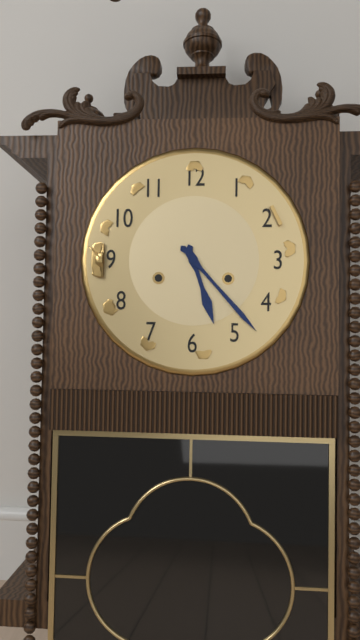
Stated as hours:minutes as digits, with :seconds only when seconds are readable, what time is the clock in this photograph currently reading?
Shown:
5:23
